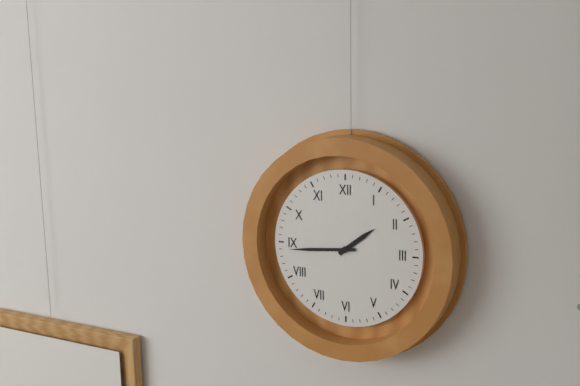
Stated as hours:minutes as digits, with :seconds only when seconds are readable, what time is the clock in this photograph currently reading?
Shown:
1:44
